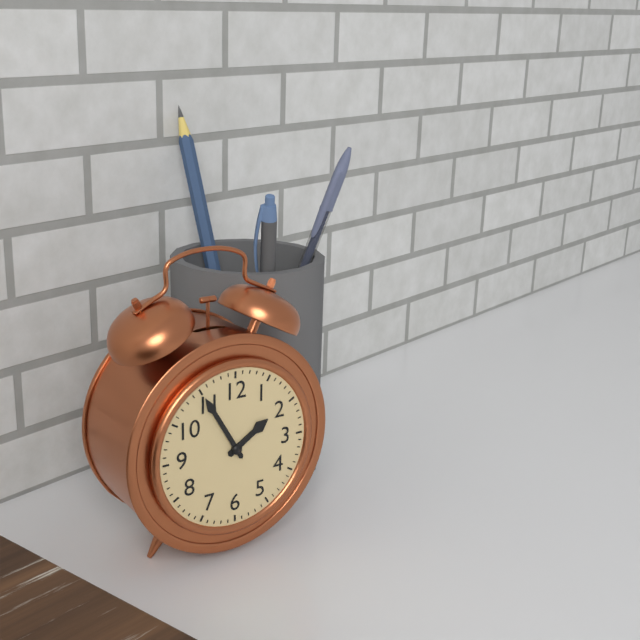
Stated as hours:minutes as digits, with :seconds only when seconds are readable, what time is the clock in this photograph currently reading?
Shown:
1:55
